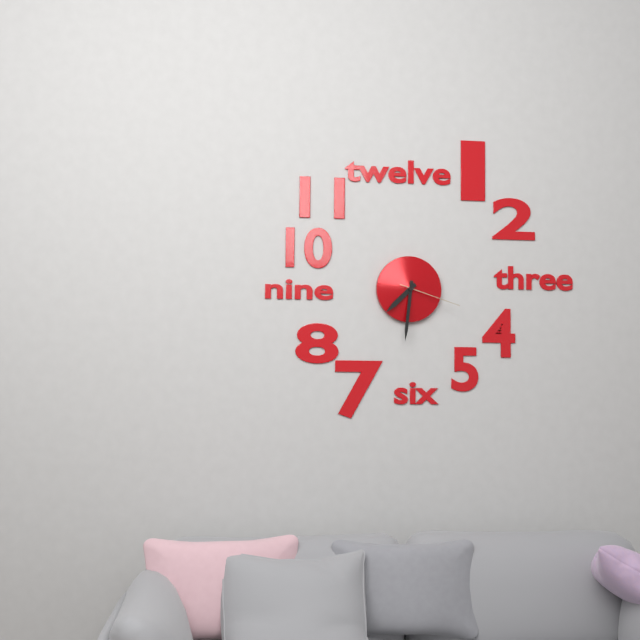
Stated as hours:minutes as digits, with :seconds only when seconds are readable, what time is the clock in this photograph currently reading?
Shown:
7:31:18
